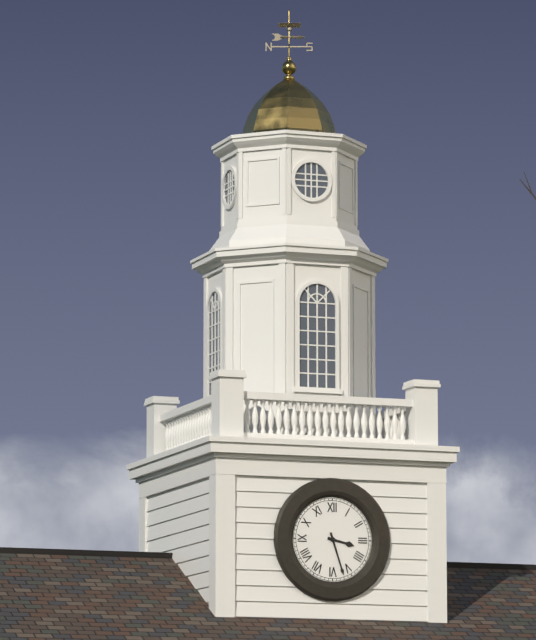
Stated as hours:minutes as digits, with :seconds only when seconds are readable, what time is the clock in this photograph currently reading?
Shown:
3:27
